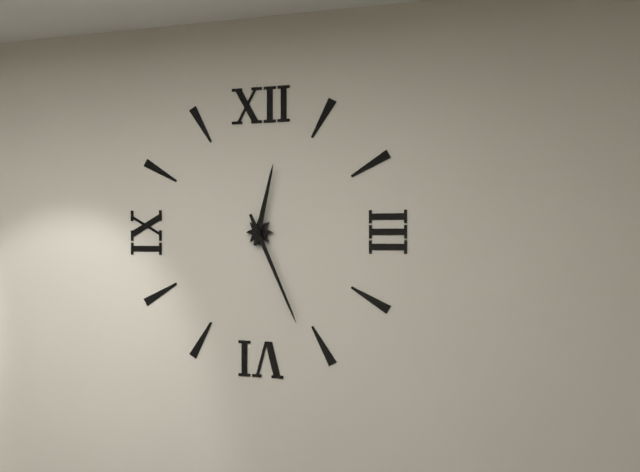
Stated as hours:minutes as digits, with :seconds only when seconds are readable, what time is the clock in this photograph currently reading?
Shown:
12:26
